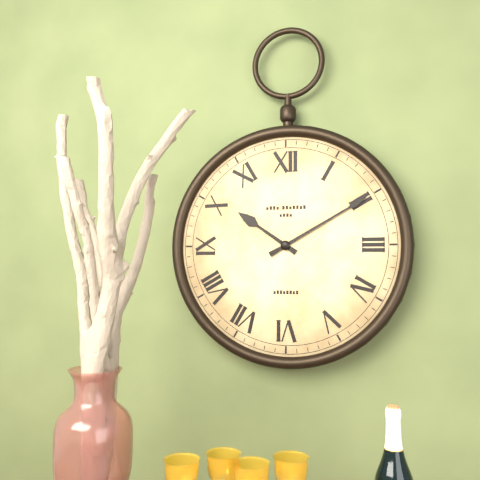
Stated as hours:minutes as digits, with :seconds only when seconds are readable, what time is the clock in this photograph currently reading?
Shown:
10:10
